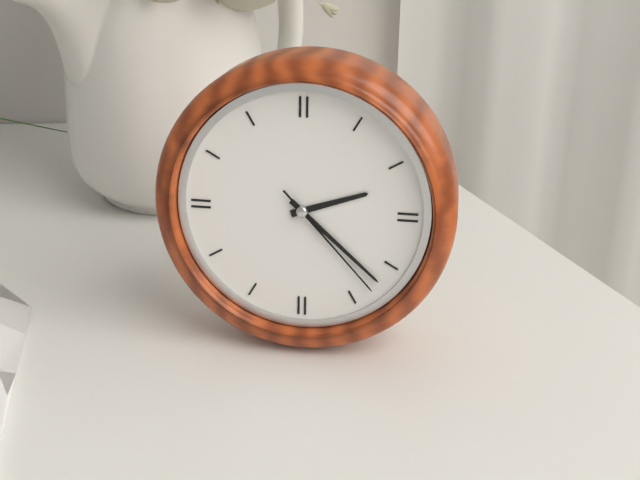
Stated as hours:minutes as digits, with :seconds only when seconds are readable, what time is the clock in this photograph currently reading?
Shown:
2:22:23
